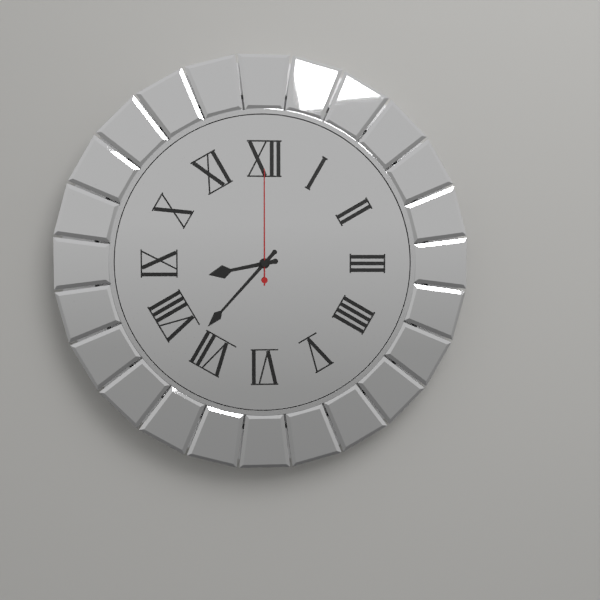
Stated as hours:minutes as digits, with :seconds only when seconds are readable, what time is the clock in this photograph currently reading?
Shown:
8:37:00
